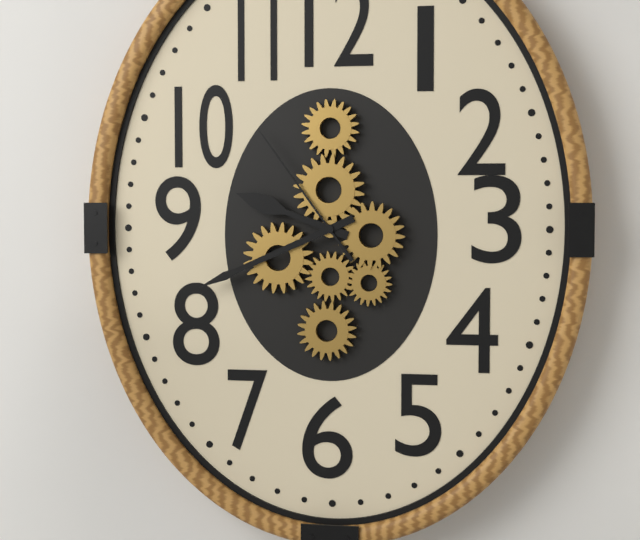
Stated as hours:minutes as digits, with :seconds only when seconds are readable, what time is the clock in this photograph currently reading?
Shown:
9:41:54
